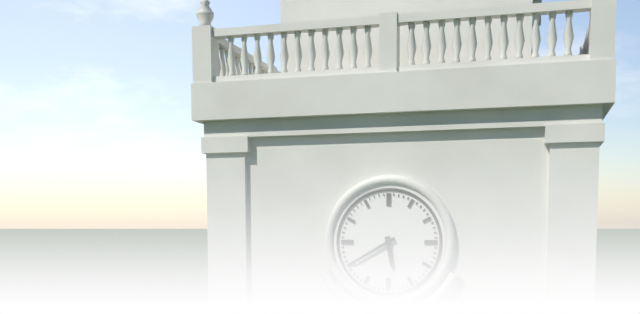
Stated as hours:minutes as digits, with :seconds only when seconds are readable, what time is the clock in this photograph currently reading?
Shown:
5:40
